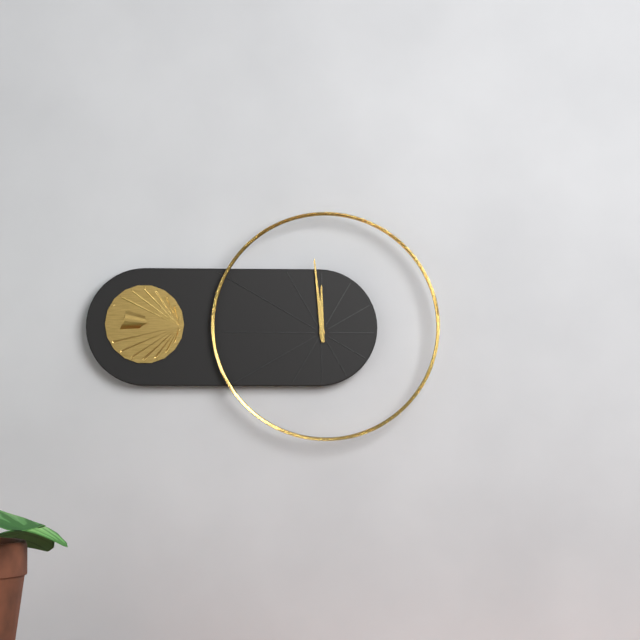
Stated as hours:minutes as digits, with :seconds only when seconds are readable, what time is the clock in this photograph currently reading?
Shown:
11:59
